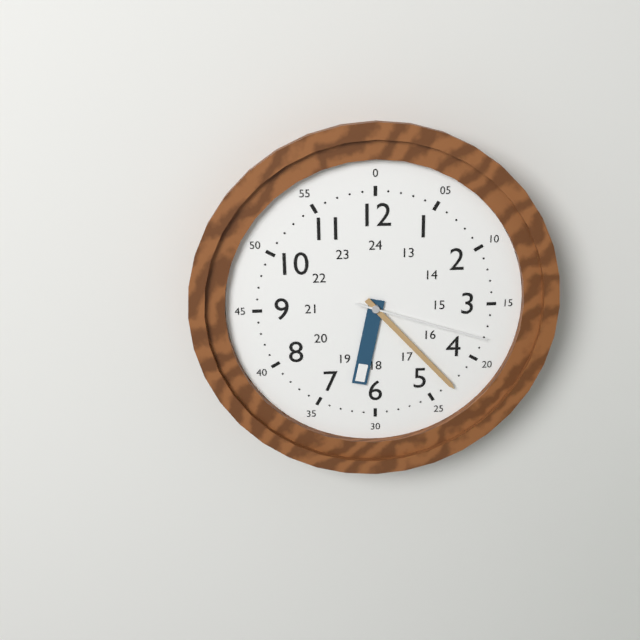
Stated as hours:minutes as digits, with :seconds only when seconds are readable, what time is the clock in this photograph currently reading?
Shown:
6:23:18
